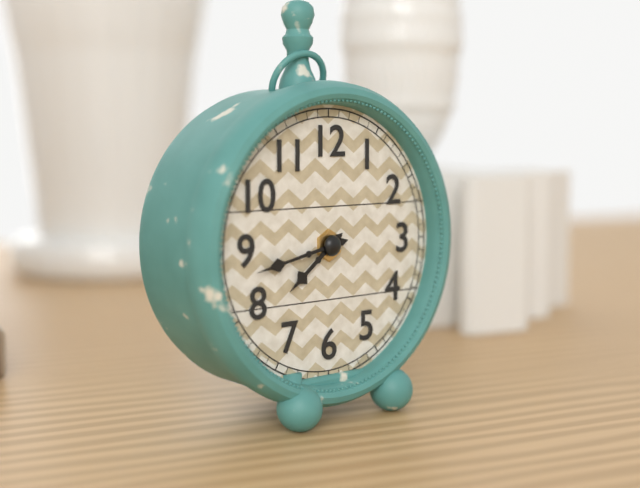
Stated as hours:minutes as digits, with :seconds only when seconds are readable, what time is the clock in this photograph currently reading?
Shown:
7:43
